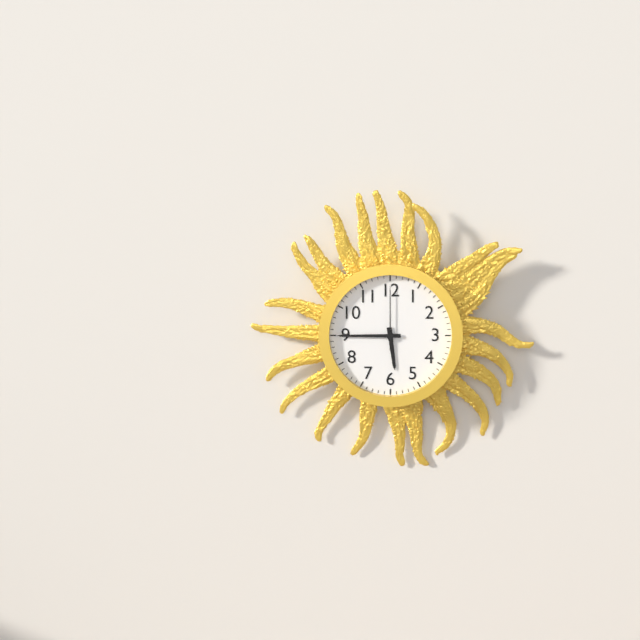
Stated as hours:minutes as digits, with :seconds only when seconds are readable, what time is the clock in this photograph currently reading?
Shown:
5:45:00
